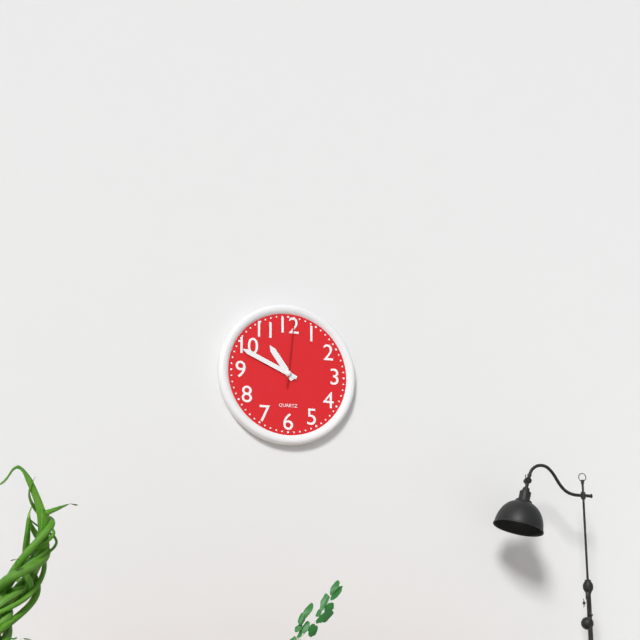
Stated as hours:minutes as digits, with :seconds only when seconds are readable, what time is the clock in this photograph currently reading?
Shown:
10:49:01
